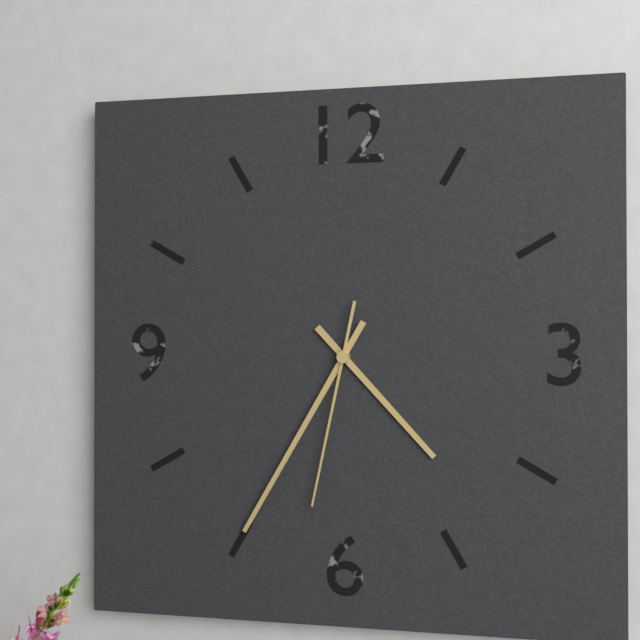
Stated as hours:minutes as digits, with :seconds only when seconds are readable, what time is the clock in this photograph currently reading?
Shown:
4:35:32
